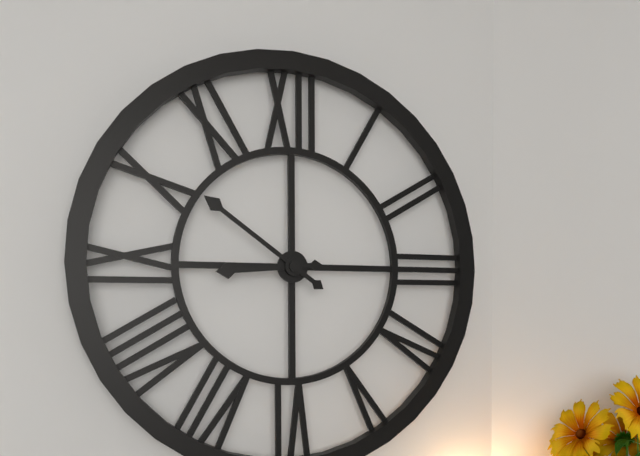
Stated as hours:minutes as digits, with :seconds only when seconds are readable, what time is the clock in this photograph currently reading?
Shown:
8:51
